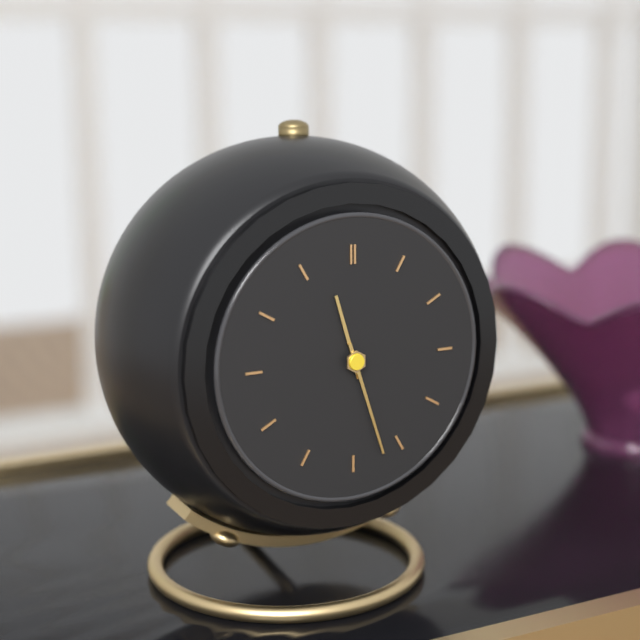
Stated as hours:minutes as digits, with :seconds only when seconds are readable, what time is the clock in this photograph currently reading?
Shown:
11:27
